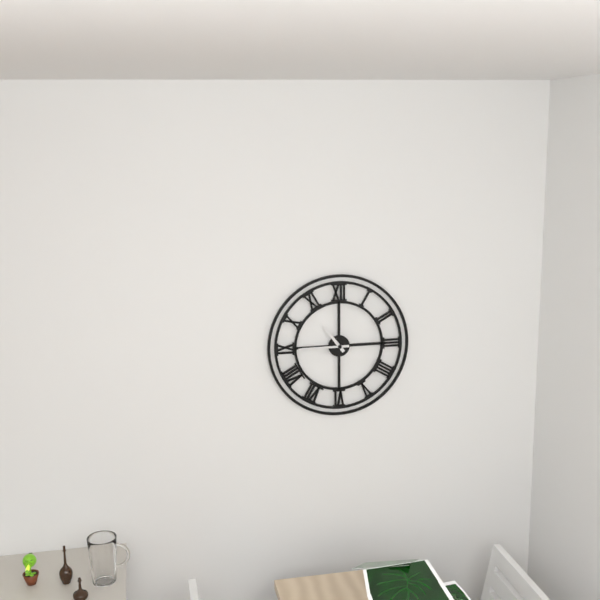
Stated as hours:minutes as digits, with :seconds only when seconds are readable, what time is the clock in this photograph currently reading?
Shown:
10:45
